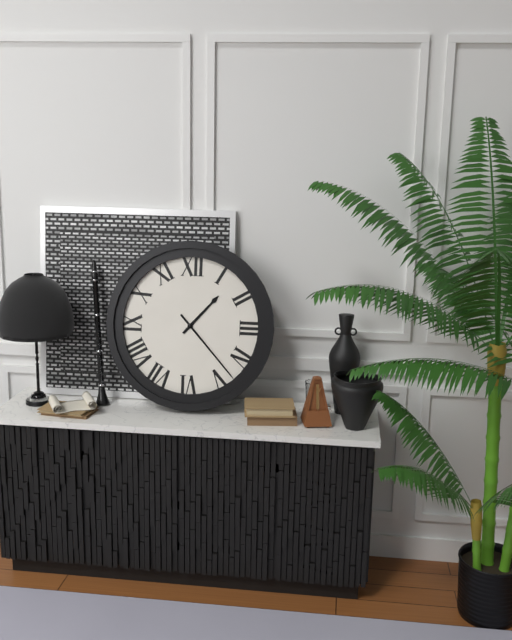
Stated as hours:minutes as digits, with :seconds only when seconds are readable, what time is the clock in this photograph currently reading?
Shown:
1:23
